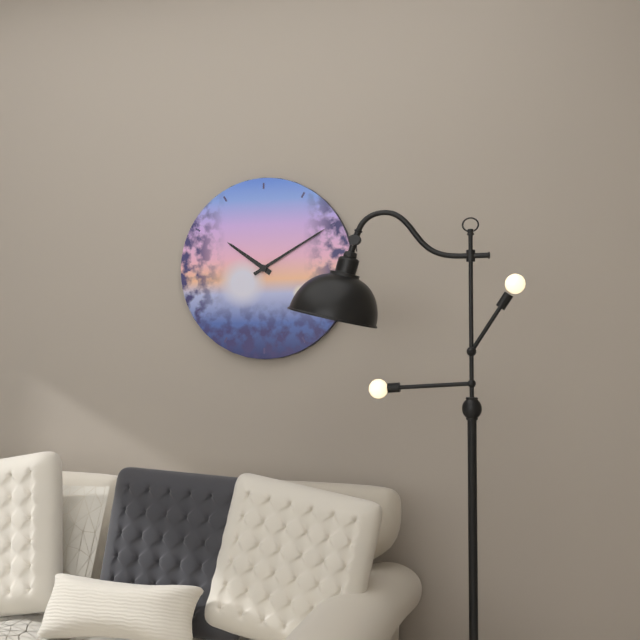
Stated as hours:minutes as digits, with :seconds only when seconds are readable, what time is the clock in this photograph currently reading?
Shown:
10:10
